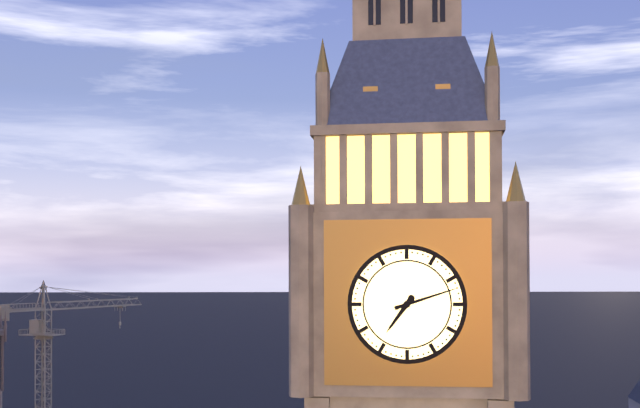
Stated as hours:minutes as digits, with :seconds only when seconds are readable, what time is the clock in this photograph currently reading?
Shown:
7:12
